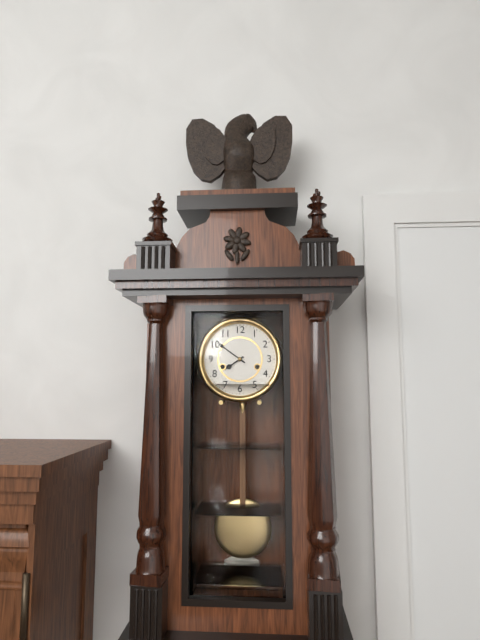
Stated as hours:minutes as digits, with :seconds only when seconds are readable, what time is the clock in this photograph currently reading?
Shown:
7:51
